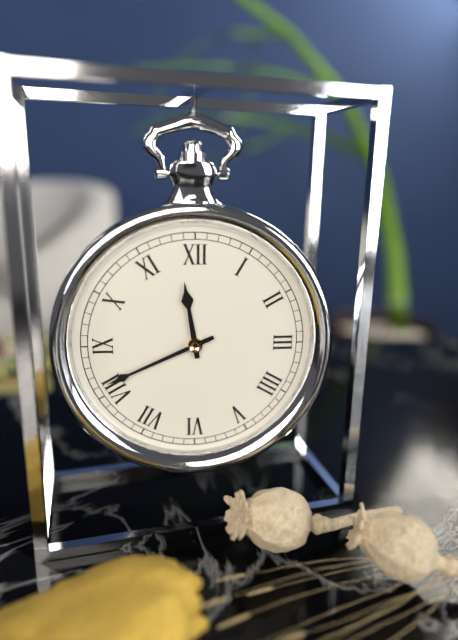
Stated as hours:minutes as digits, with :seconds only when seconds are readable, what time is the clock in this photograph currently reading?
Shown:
11:41
